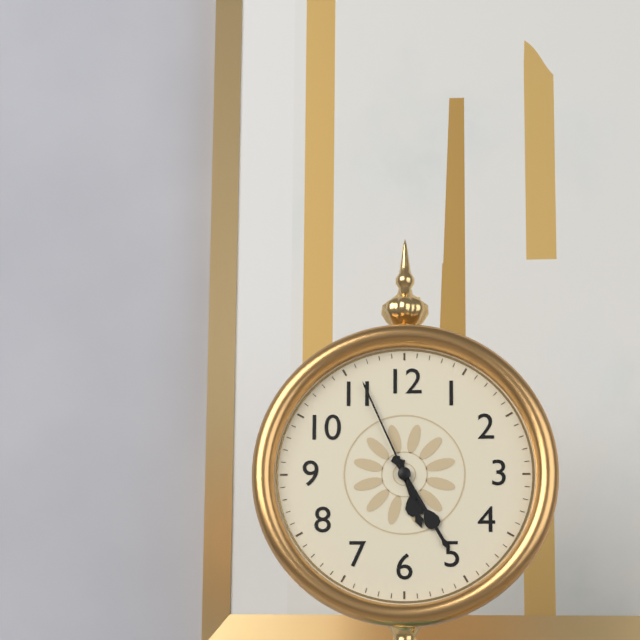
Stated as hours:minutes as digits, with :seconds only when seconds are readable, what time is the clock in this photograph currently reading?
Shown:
5:25:56
